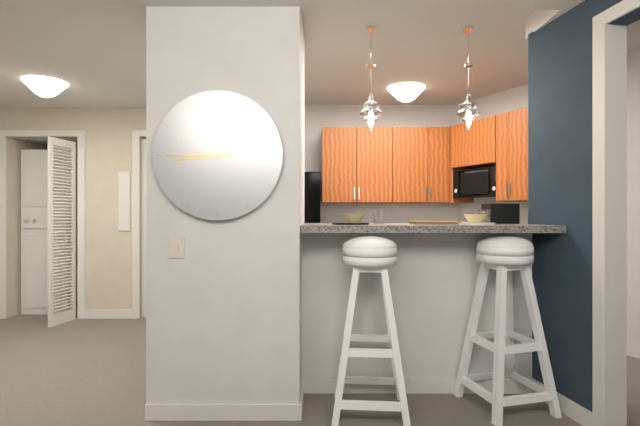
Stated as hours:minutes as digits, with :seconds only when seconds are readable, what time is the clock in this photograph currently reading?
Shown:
8:45
